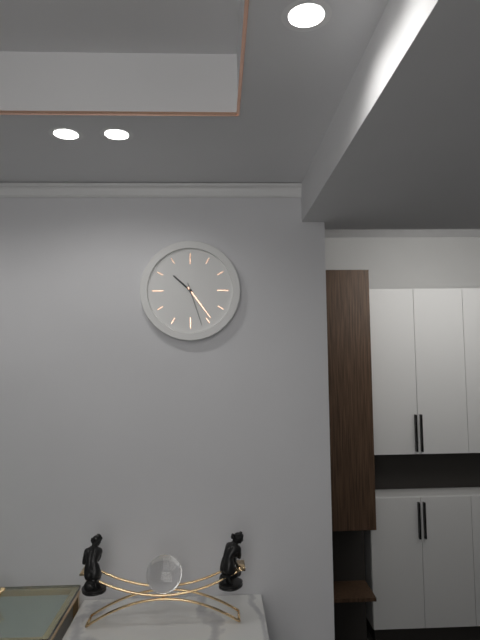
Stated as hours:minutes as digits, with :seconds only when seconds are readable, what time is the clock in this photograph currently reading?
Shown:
10:24
